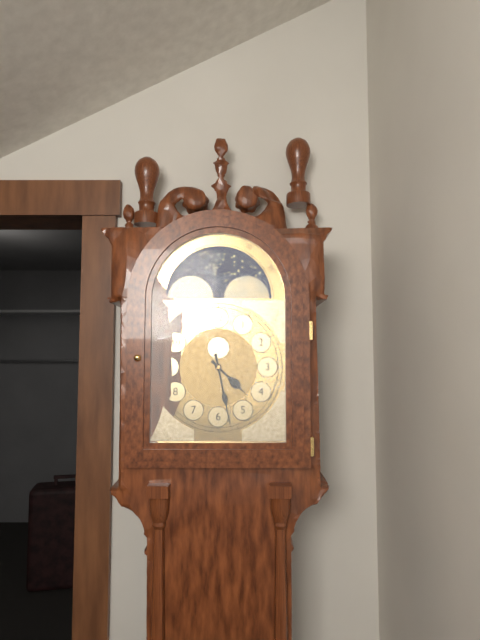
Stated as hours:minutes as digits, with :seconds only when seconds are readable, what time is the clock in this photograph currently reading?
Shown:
4:28
